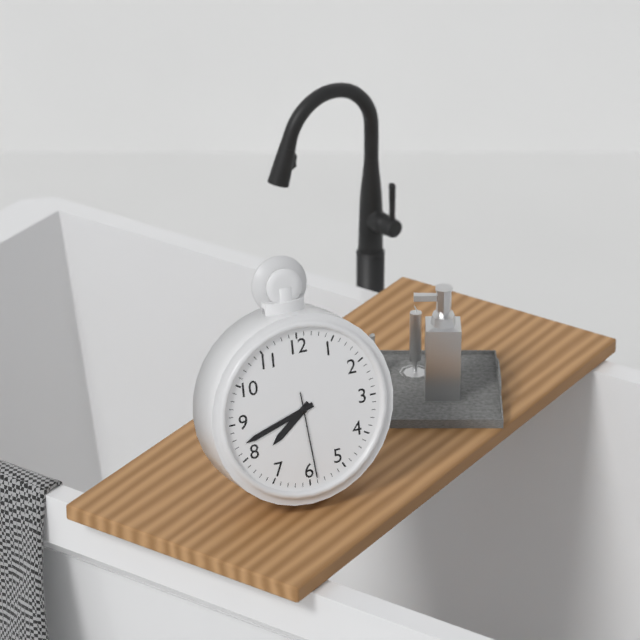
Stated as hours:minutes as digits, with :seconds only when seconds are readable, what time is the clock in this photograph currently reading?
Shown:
7:42:29
